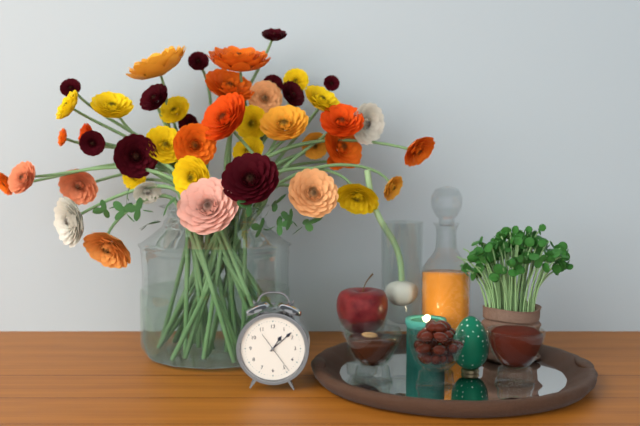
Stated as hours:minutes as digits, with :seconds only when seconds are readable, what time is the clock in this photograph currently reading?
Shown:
1:08
